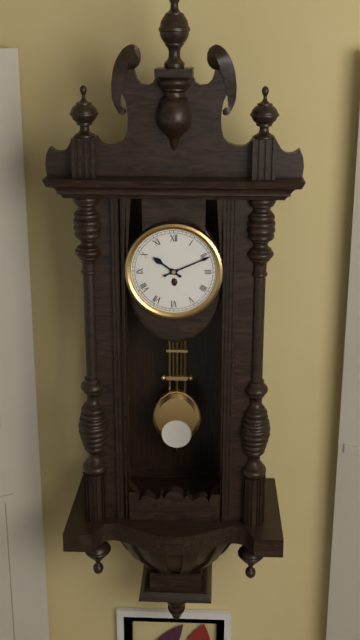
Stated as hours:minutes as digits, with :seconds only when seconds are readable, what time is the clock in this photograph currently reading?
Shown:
10:11
